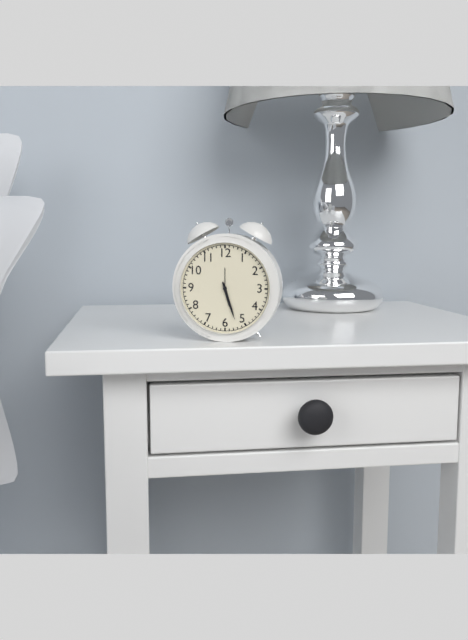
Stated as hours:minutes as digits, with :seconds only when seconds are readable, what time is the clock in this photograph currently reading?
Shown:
5:27
